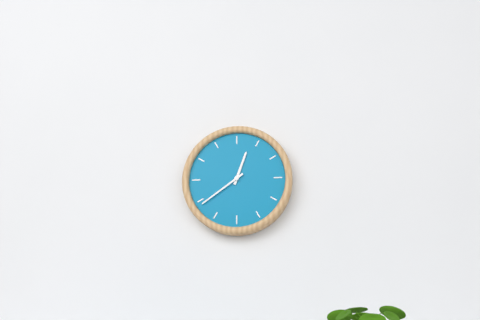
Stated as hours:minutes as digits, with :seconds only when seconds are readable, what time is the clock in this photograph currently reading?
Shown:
12:39
